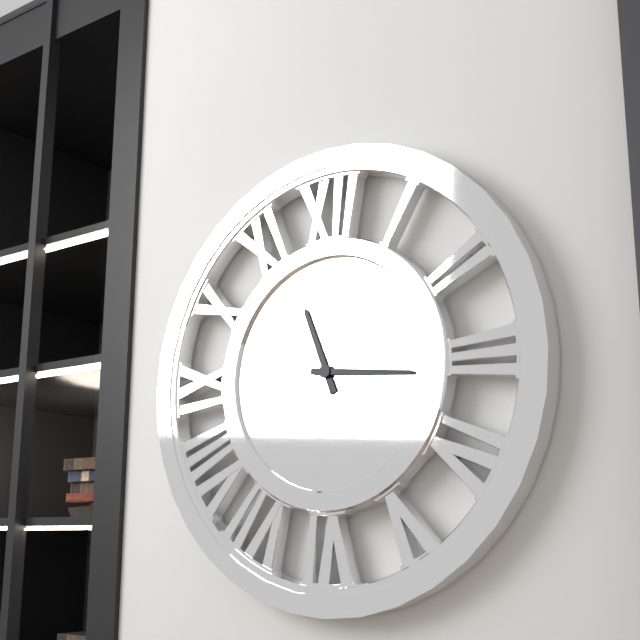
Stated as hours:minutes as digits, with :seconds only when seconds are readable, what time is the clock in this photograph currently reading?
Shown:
11:16
